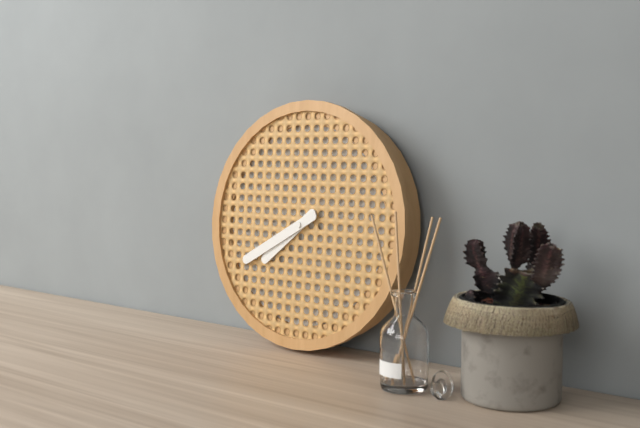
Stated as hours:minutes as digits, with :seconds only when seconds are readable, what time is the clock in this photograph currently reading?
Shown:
7:40
